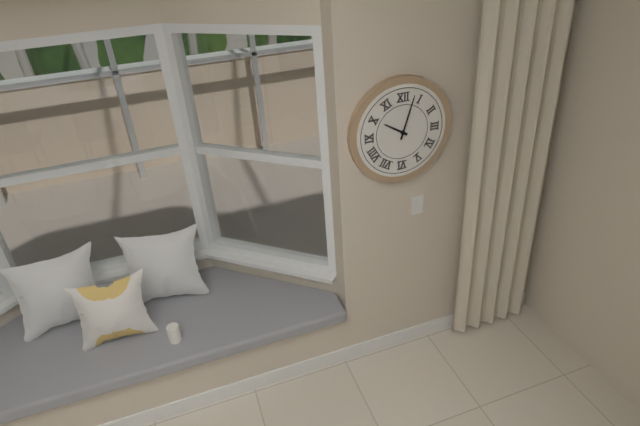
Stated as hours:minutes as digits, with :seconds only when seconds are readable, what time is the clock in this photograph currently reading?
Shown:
10:03
